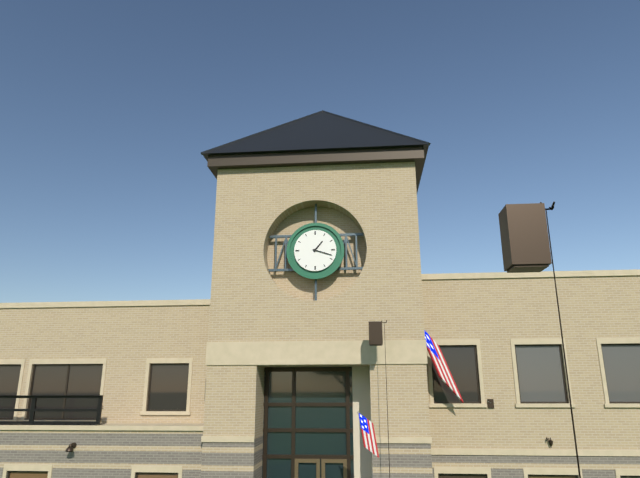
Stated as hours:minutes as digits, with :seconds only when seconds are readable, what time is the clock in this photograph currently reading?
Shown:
1:18
